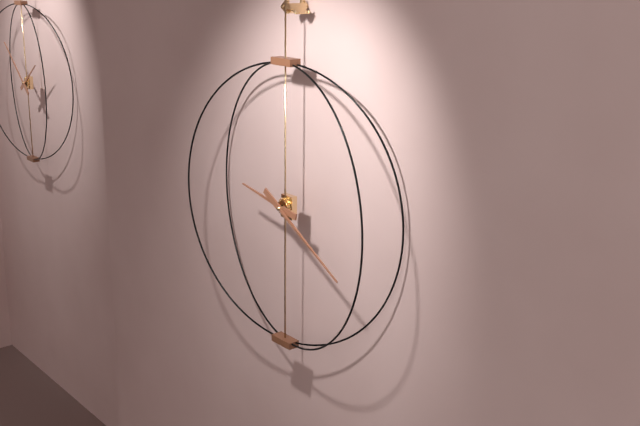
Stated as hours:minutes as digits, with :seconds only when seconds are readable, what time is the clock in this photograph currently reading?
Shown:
9:20
